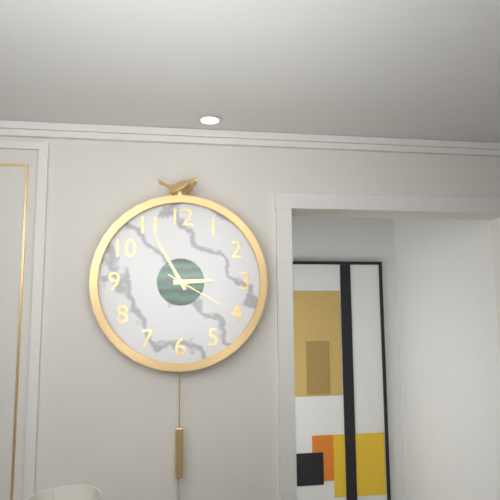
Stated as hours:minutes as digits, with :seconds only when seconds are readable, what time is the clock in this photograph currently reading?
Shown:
2:55:20
